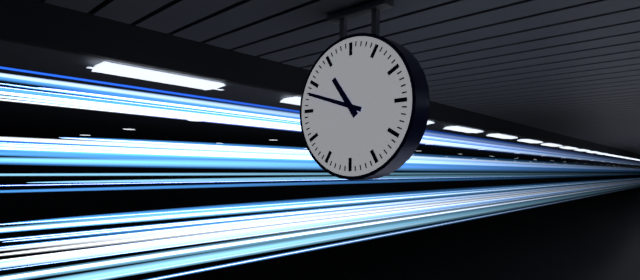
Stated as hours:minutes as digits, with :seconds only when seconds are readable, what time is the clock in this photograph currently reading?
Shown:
10:48
